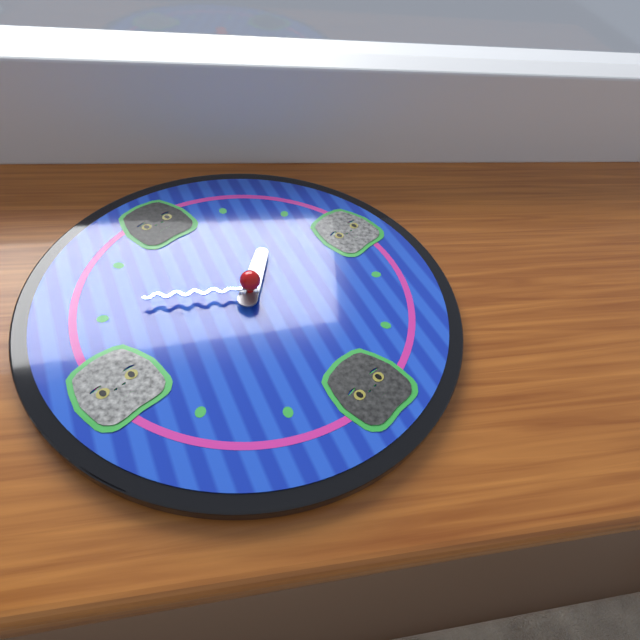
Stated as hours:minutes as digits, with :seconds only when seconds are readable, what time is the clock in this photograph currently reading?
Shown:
1:51
